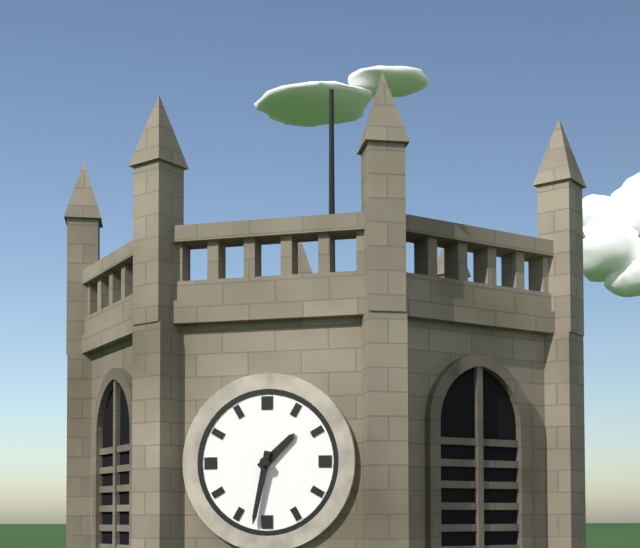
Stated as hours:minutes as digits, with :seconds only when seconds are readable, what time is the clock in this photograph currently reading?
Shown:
1:32
